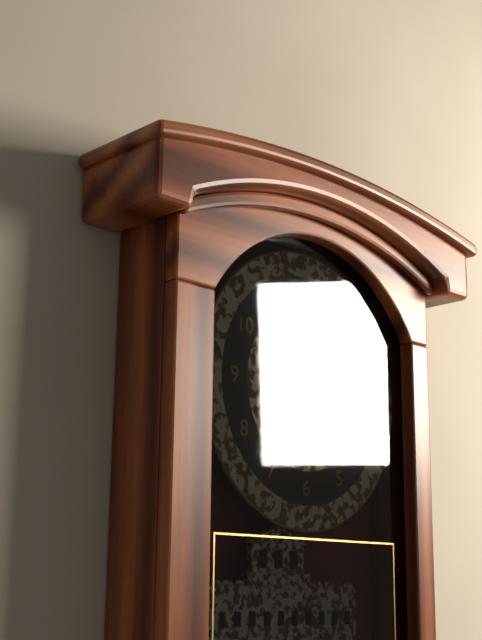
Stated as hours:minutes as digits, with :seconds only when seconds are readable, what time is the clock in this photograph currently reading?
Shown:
4:07
